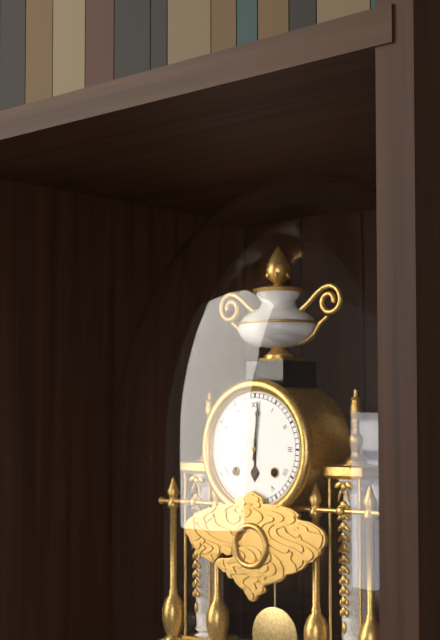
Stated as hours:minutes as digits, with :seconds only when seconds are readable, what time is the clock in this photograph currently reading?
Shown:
6:01
